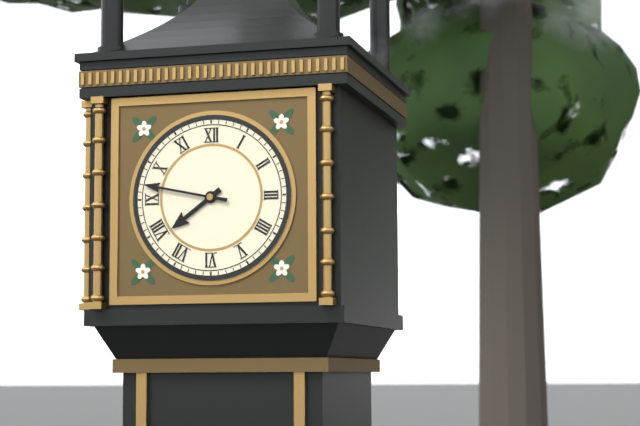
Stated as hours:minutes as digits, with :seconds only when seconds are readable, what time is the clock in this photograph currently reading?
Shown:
7:47
